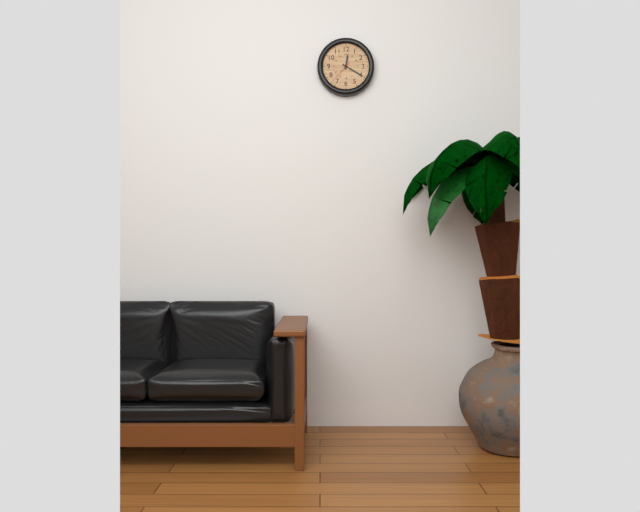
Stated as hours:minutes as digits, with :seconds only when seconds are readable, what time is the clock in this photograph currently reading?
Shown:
12:20
